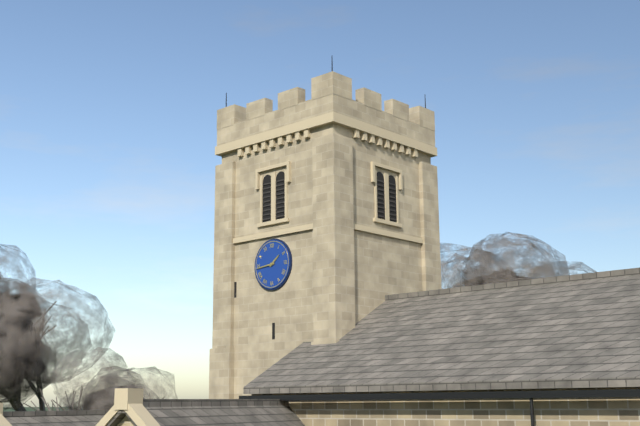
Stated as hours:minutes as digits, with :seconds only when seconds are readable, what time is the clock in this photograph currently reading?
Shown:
1:44
